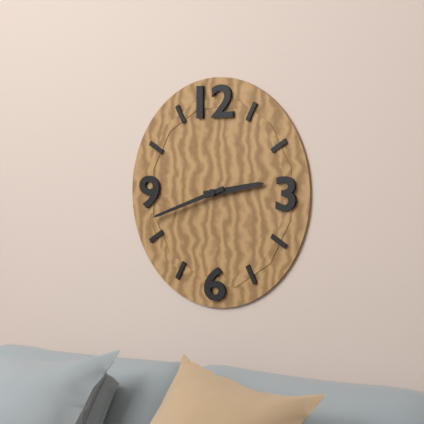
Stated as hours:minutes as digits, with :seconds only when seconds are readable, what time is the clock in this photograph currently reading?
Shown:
2:42
